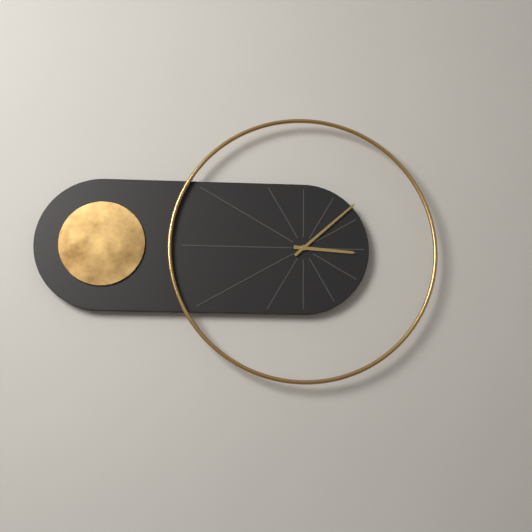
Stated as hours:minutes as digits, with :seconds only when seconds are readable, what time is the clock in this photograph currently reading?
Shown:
3:08
